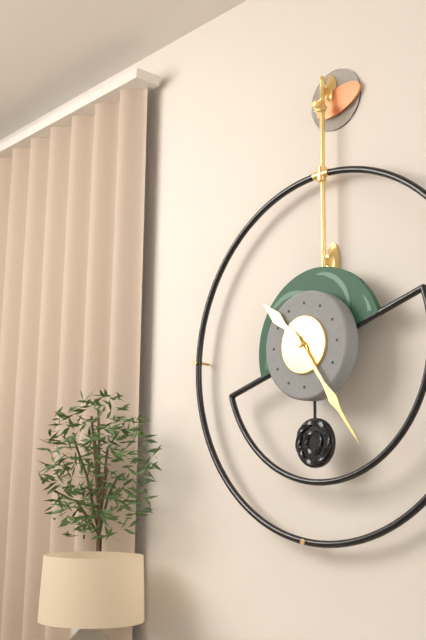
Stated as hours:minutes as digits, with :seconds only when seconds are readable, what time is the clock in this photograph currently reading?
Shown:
10:24
